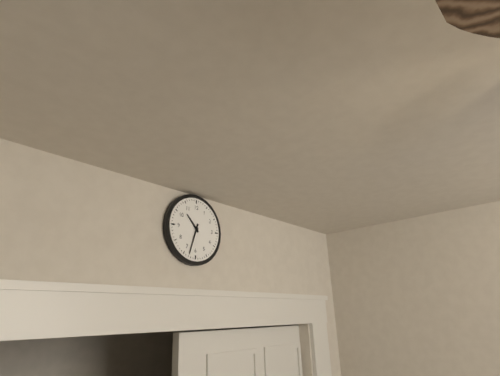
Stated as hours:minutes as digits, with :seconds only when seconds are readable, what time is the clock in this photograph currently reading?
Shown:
10:33
